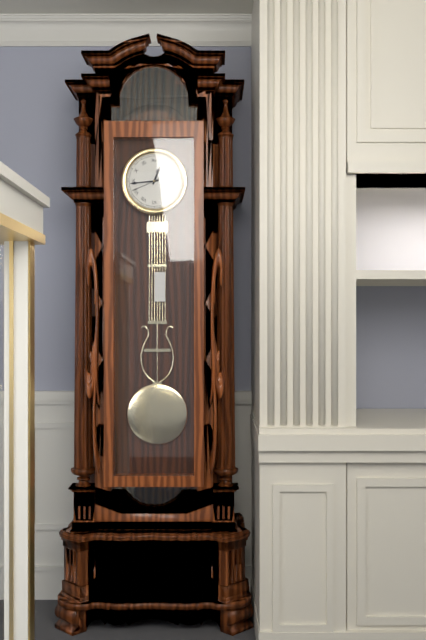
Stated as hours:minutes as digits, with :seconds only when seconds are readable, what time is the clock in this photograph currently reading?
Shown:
12:44
